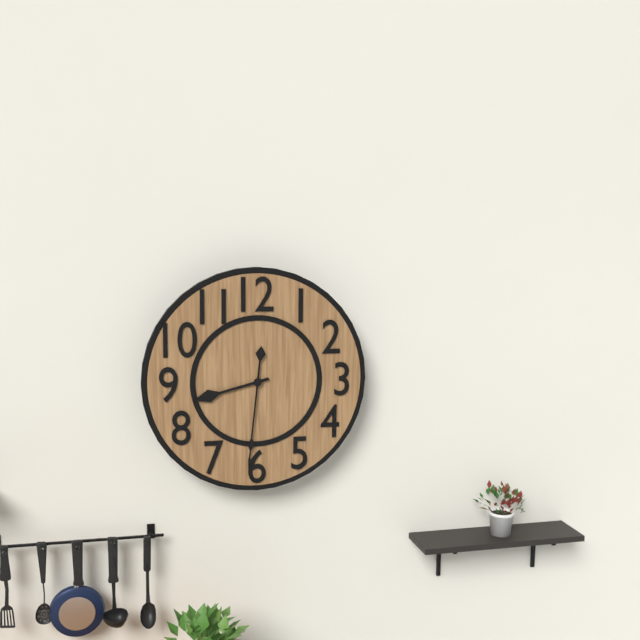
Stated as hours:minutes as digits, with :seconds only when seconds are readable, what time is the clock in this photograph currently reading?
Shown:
8:31
